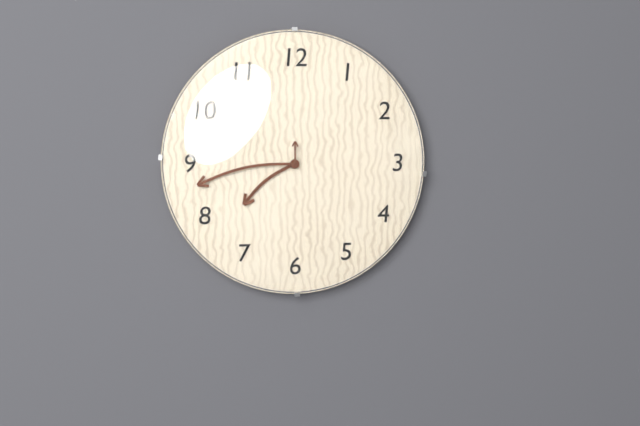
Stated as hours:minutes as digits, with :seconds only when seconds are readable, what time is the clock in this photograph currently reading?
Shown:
7:43
